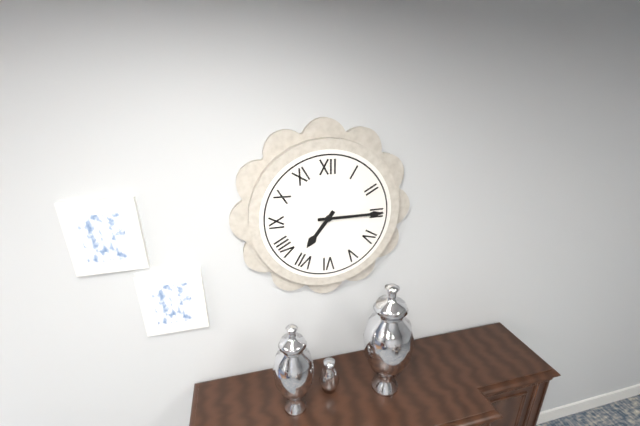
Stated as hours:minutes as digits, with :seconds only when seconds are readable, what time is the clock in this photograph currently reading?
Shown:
7:15
